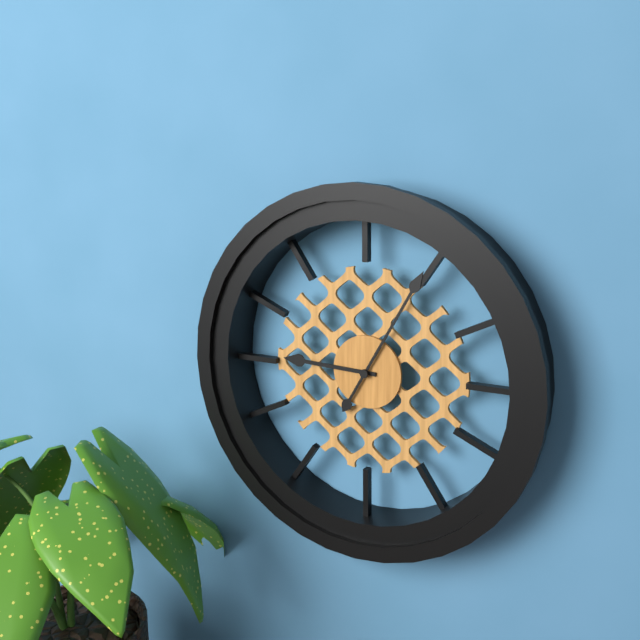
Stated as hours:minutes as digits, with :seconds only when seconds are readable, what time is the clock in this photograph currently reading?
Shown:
9:05
